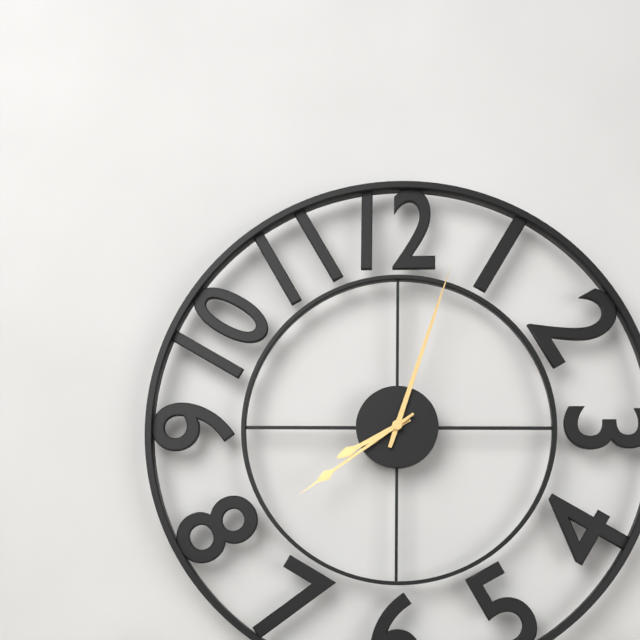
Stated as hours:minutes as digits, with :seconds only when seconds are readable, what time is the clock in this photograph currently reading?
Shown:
8:03:39
